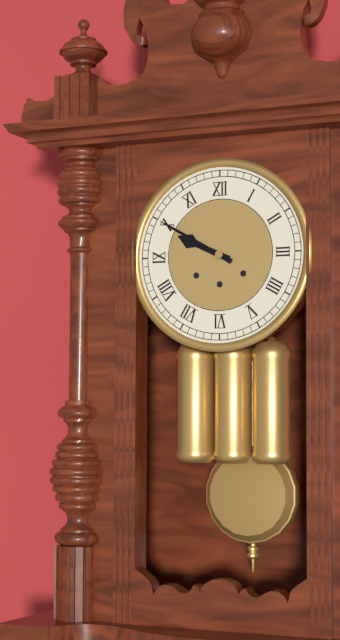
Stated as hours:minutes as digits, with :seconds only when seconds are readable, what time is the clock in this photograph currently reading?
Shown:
9:50
